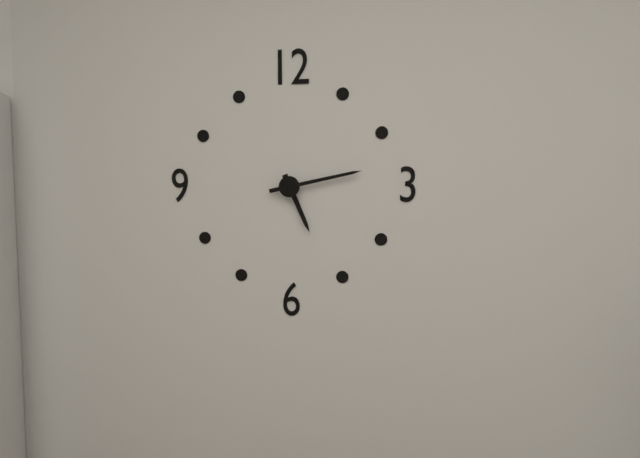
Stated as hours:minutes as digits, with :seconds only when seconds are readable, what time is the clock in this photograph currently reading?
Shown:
5:13
